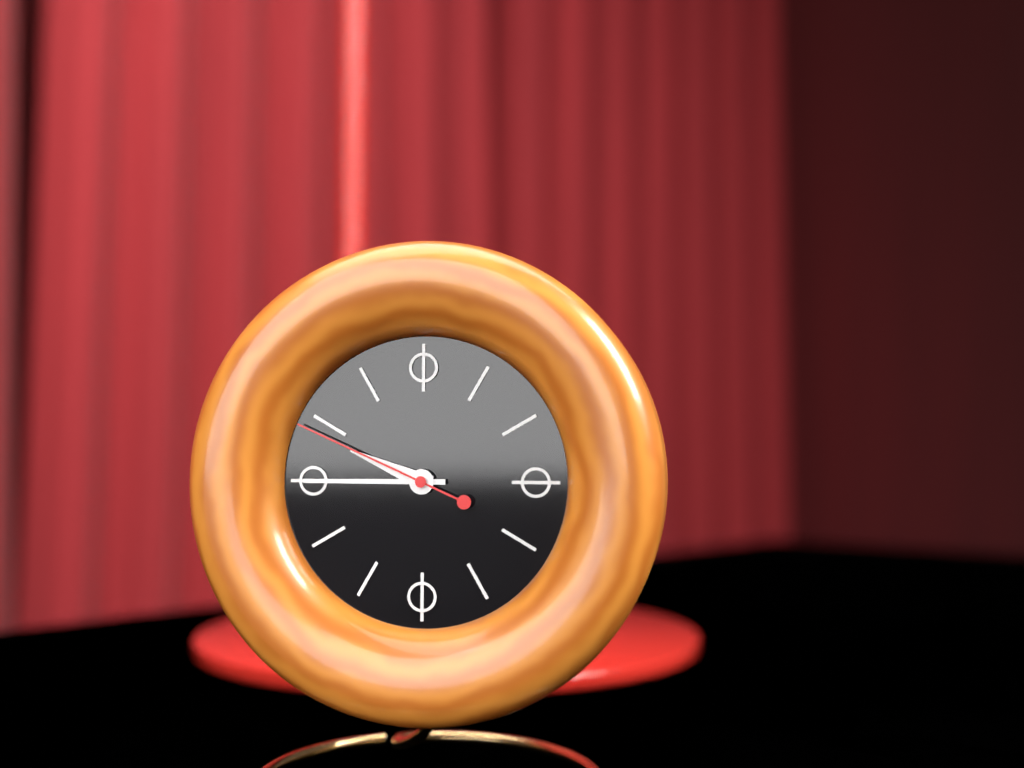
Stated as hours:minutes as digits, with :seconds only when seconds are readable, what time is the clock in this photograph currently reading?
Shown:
9:45:49
